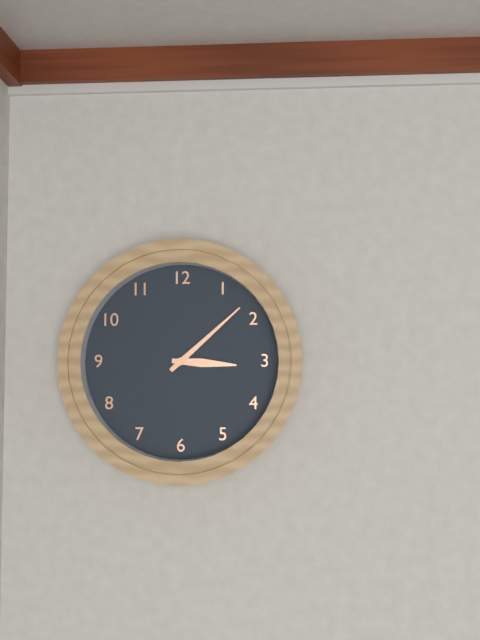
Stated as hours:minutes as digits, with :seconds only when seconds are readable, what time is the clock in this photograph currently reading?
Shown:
3:08
